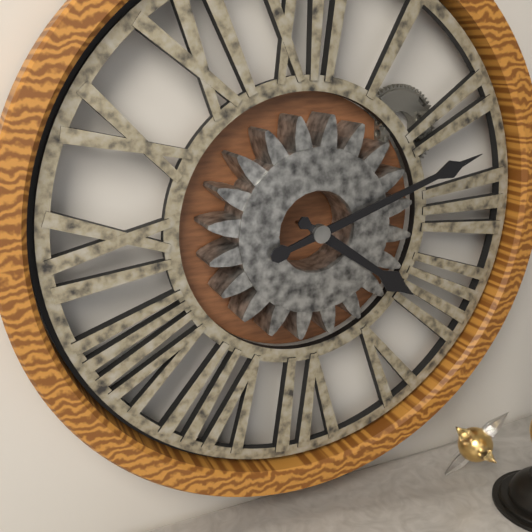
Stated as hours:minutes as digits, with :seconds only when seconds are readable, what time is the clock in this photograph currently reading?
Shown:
4:12
